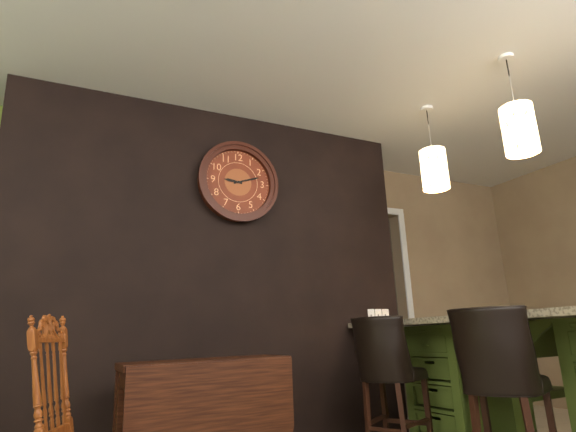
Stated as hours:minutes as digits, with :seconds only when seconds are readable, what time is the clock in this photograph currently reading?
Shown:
9:12
